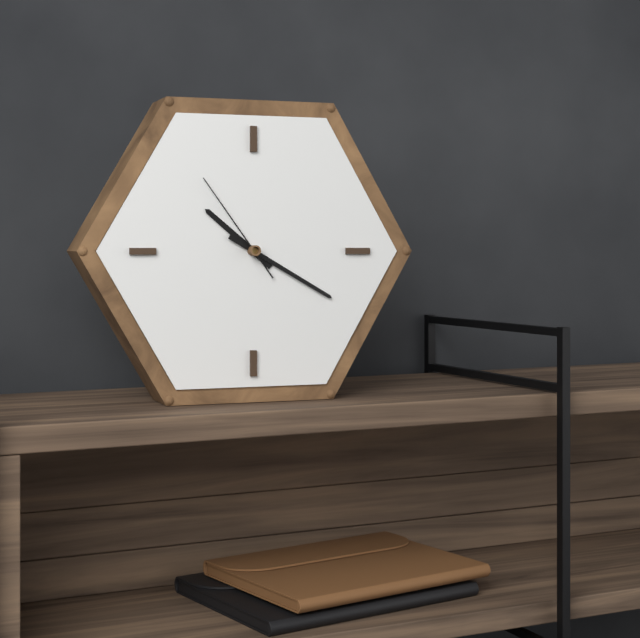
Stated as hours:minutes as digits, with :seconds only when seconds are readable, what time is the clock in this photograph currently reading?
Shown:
10:20:54
